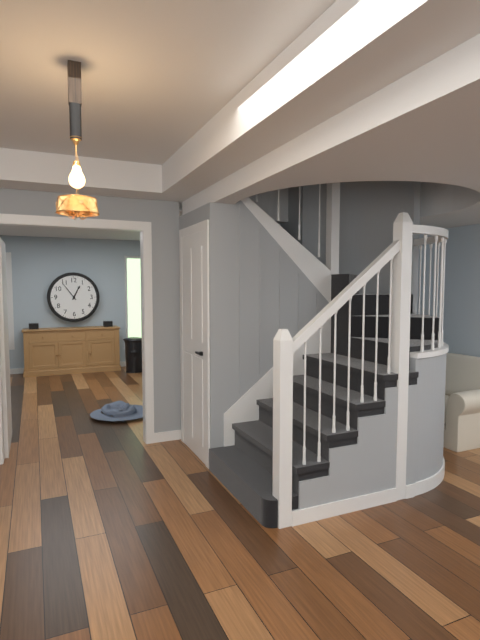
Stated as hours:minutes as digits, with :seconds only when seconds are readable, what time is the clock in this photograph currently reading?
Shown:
12:54
